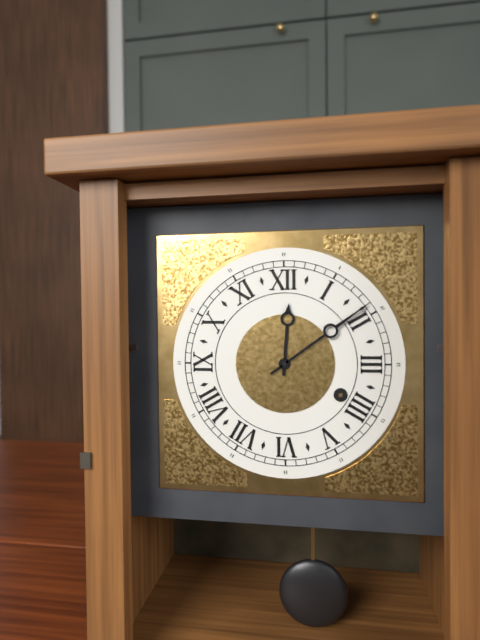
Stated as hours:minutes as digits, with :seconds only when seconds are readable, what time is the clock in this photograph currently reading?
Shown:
12:09
